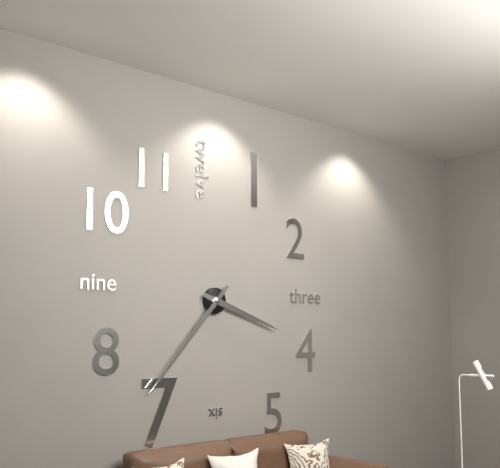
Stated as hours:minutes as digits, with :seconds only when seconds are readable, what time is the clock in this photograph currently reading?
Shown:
3:37
